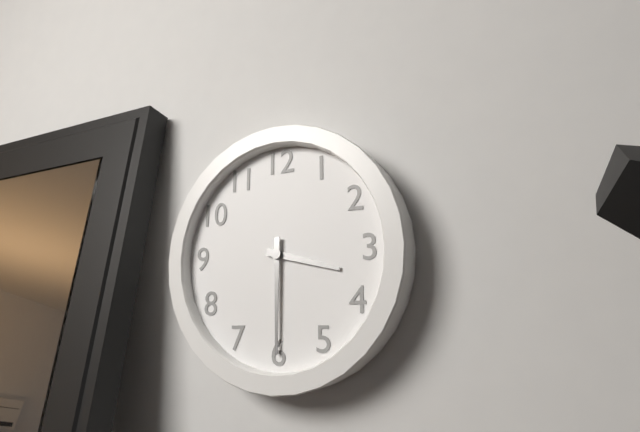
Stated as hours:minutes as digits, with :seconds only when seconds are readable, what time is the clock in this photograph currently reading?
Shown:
3:30
